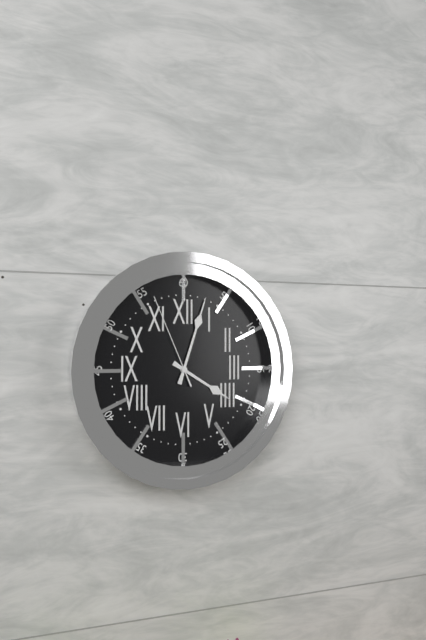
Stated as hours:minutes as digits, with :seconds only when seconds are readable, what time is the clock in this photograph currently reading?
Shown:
4:03:56
